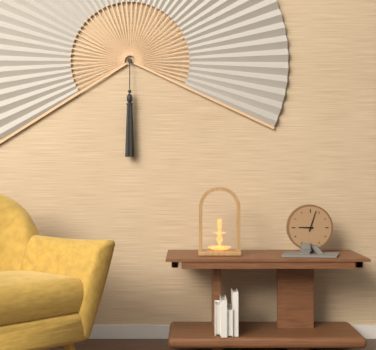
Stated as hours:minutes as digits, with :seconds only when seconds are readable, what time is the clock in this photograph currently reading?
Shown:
9:03
